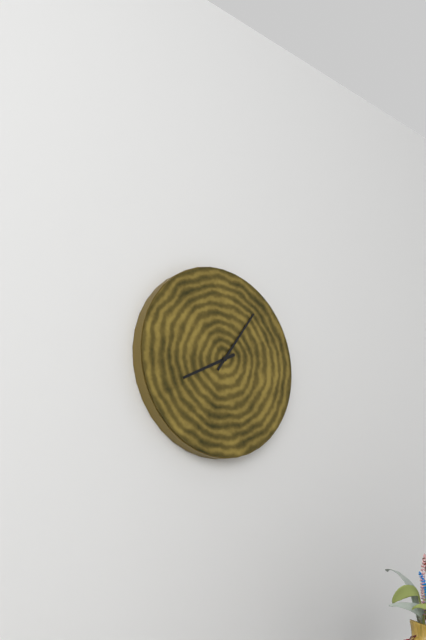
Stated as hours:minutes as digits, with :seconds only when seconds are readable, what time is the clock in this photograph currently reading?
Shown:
8:06
